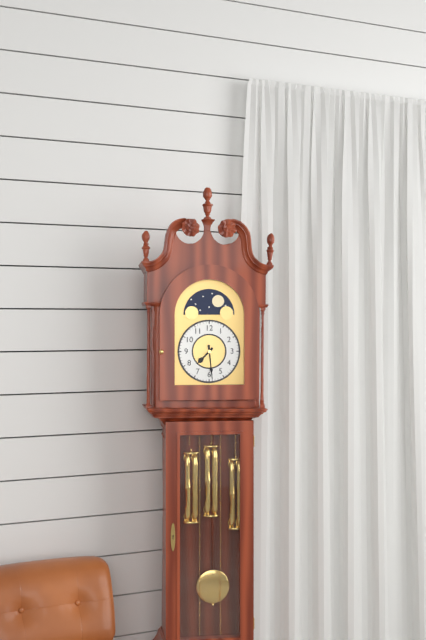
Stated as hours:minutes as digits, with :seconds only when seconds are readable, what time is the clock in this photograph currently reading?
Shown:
7:29
